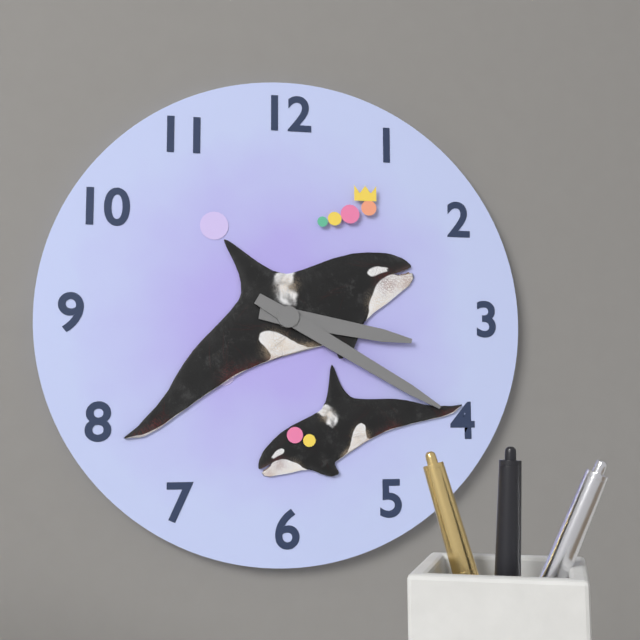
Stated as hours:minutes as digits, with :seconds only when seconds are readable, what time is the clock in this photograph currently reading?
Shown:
3:20
